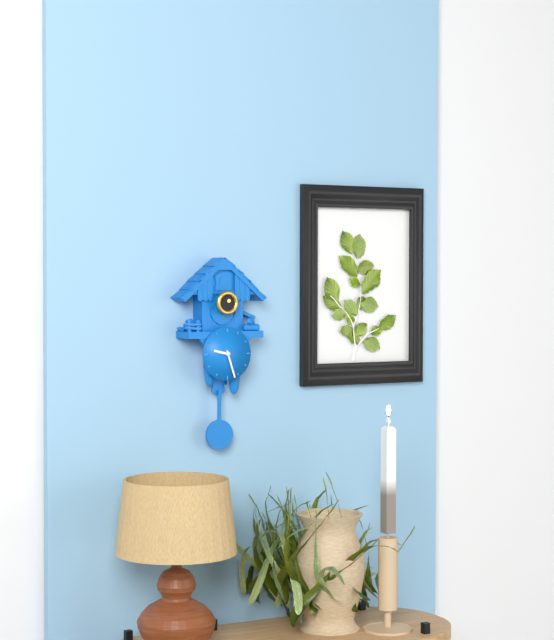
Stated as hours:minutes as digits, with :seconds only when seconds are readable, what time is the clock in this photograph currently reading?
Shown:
9:27
